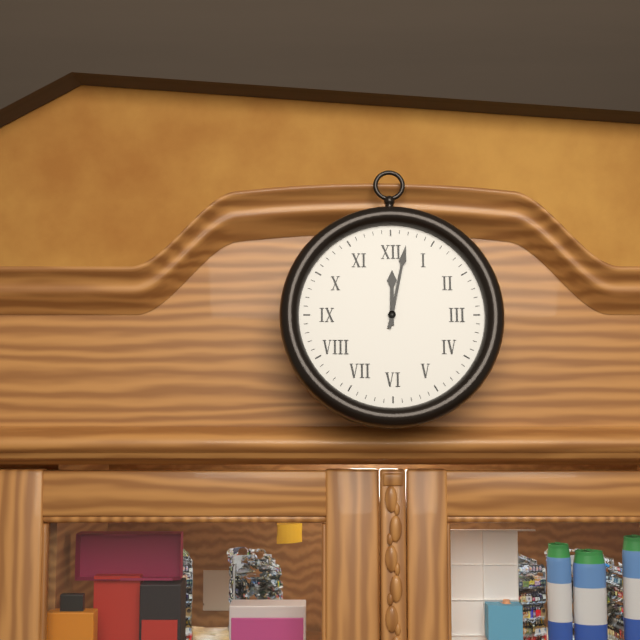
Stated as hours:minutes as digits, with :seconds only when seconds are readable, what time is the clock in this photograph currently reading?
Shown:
12:02
